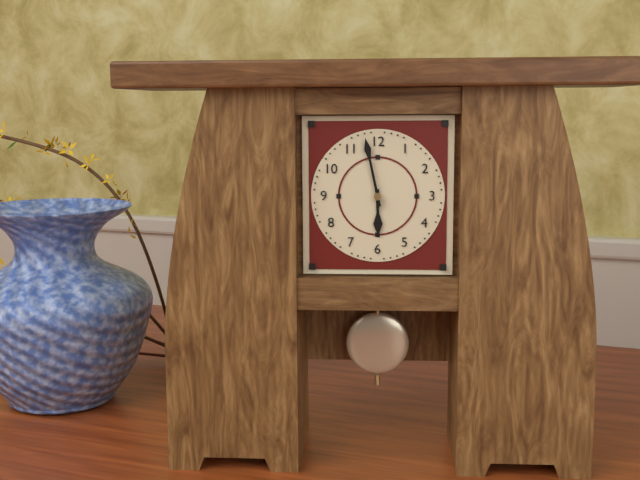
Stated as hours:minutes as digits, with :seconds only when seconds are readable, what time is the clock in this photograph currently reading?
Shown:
5:58
